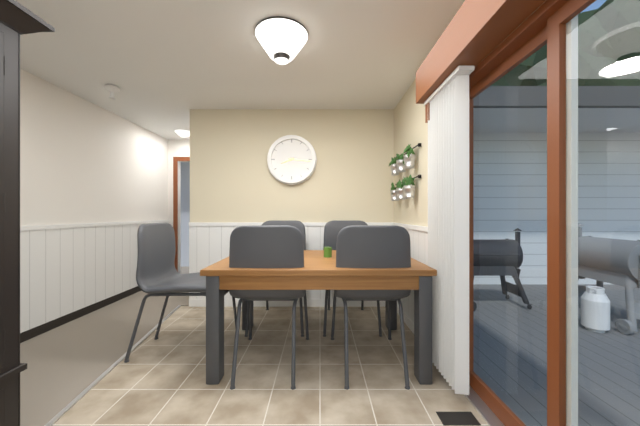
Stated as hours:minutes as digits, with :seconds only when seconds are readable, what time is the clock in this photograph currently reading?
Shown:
8:16
